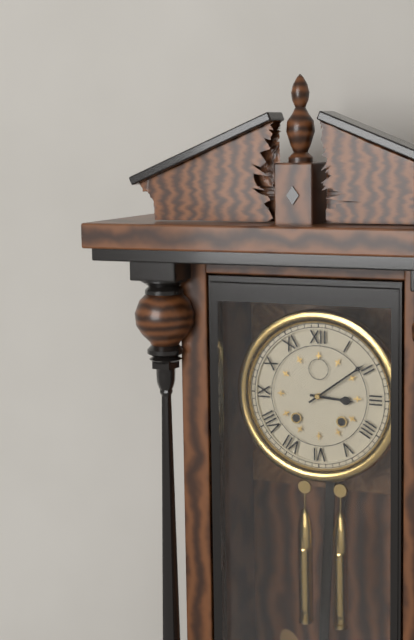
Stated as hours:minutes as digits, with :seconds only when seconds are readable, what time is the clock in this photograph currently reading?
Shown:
3:09
